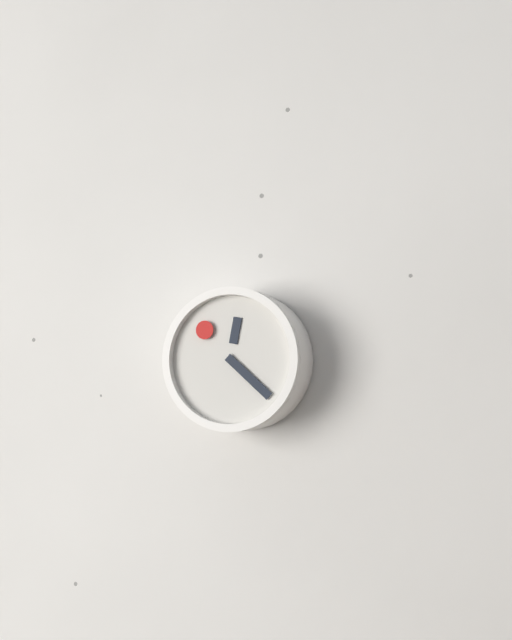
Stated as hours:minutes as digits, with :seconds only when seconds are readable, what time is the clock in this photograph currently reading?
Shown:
12:22:53
